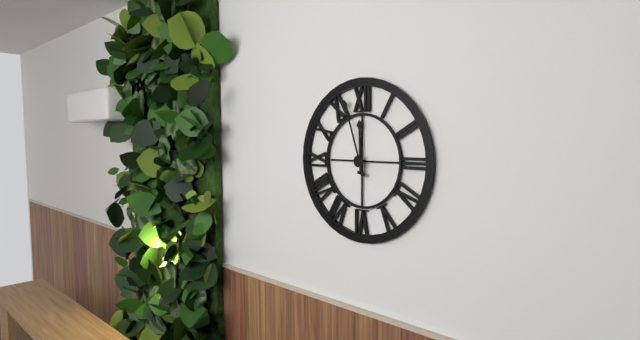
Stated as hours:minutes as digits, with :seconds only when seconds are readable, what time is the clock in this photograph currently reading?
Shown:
11:57
